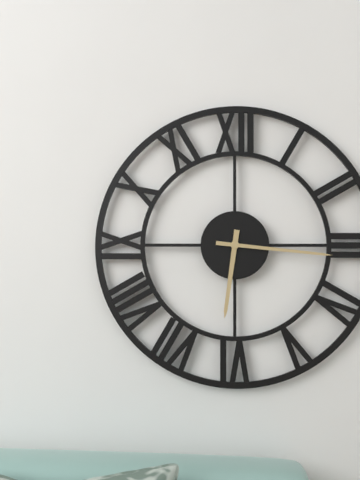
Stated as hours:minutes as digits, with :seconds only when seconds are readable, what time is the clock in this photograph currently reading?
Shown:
6:16
